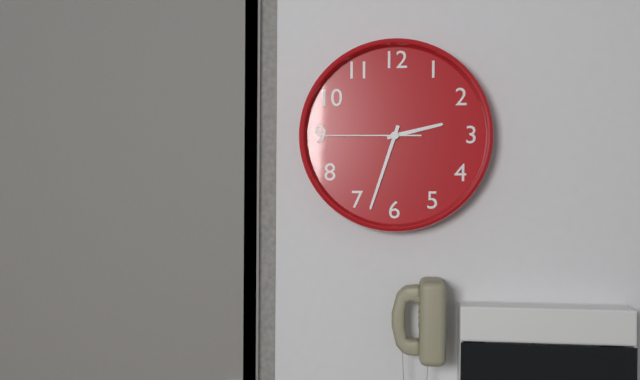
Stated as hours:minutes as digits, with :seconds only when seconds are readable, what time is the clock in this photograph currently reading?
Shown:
2:33:45
